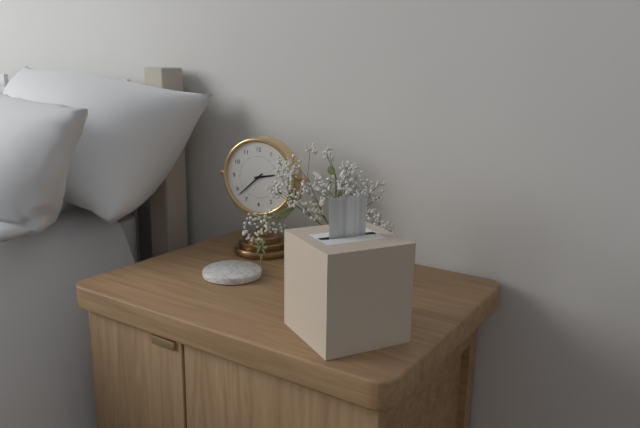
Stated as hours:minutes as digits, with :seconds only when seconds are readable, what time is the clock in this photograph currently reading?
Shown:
2:38
